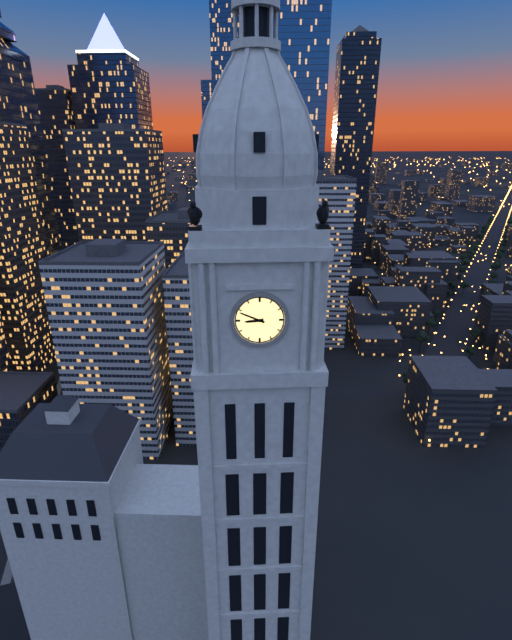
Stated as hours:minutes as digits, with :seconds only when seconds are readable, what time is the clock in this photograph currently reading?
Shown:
8:49
